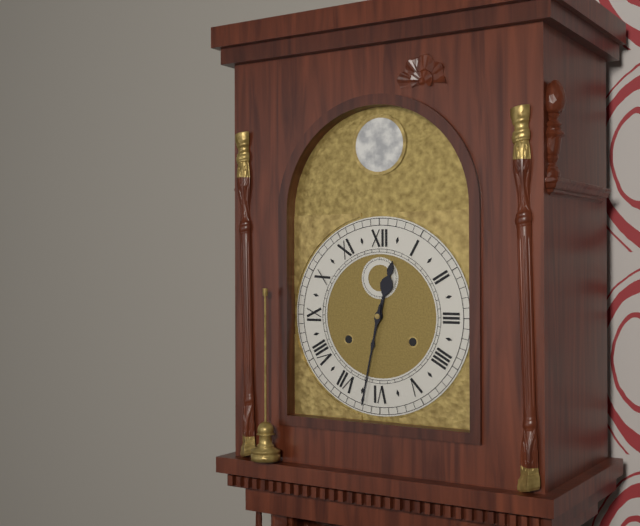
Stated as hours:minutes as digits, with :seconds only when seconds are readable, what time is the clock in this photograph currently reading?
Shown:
12:32
